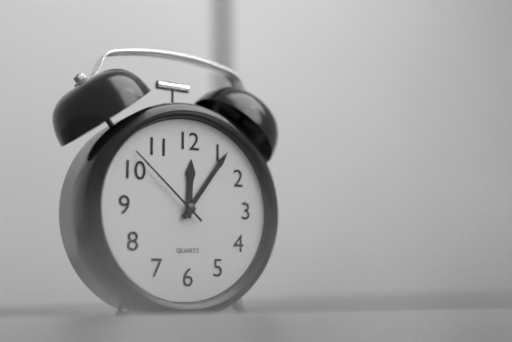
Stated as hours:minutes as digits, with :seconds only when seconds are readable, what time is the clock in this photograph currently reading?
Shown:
12:06:52
